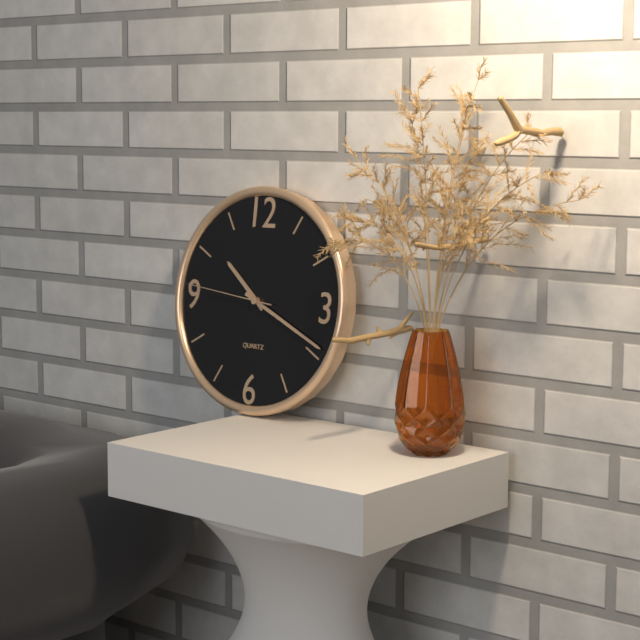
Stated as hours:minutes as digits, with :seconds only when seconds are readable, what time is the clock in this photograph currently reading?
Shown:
10:19:46
